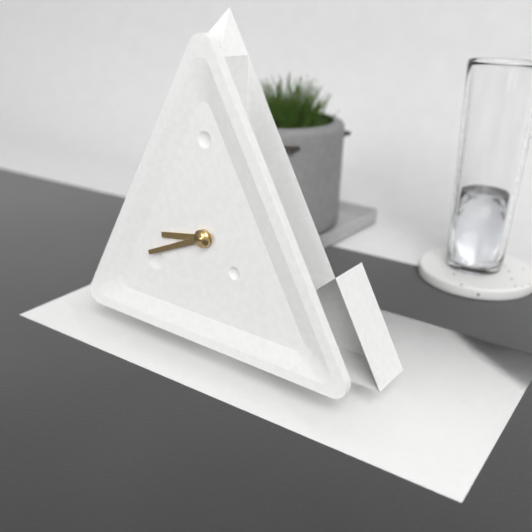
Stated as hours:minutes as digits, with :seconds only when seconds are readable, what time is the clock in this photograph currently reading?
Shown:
8:41
